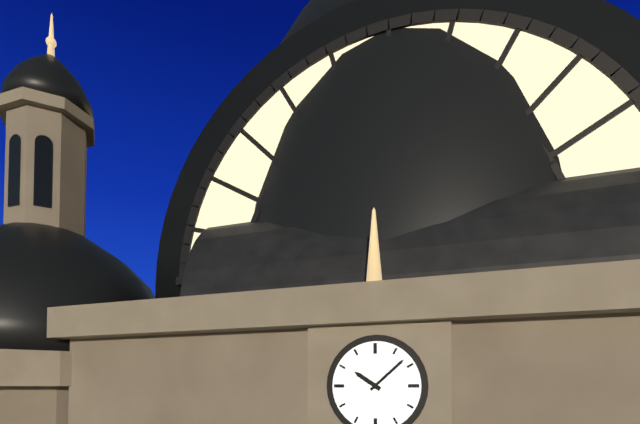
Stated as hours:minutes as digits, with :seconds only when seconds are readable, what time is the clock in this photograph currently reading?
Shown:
10:08
